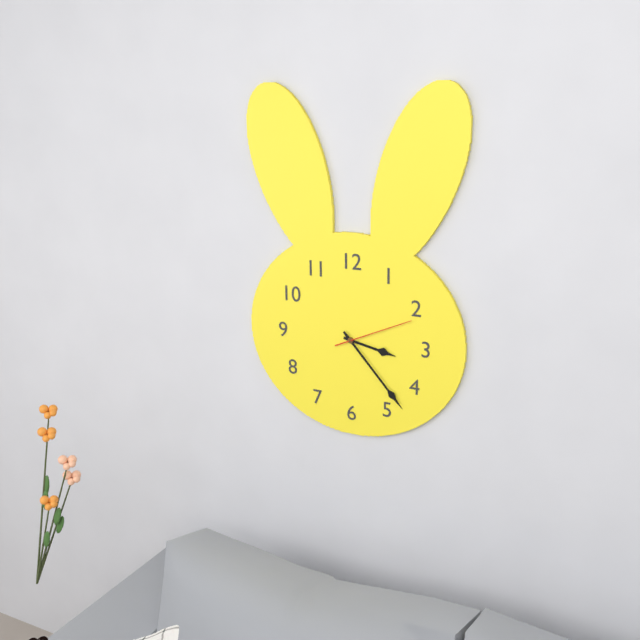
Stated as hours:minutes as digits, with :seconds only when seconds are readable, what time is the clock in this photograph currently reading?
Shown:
3:23:11
